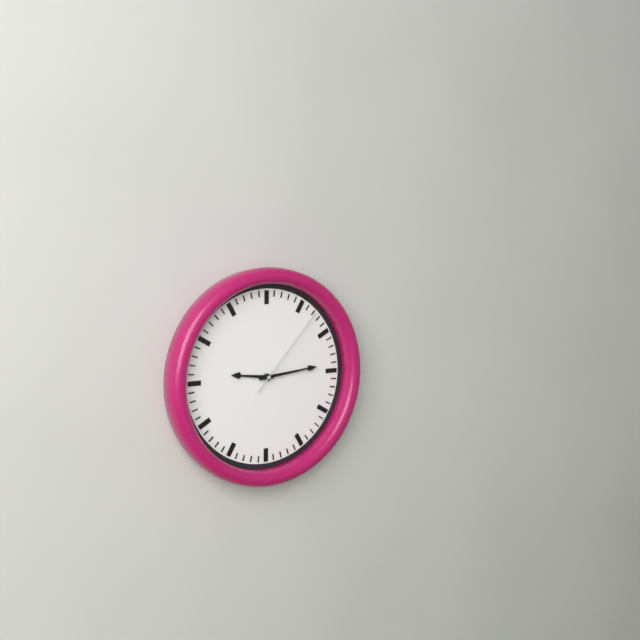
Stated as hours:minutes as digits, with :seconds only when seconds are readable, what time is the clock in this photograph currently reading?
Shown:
9:14:07
